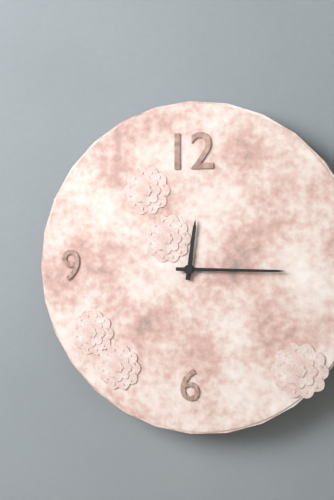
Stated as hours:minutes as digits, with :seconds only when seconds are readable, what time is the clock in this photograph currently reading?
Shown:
12:15
